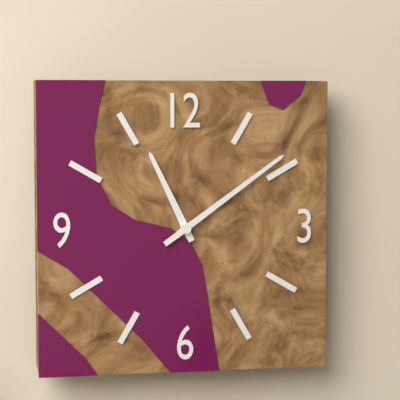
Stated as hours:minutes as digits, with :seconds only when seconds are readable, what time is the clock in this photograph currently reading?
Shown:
11:09
